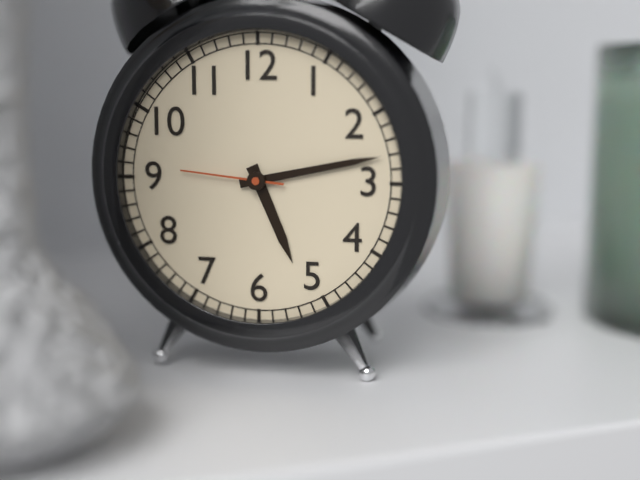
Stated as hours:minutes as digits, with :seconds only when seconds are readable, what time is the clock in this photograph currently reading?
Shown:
5:13:46
